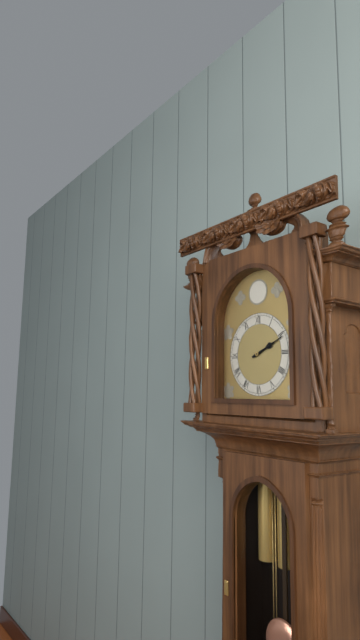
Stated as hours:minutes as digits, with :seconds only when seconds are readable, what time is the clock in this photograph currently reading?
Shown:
2:11
